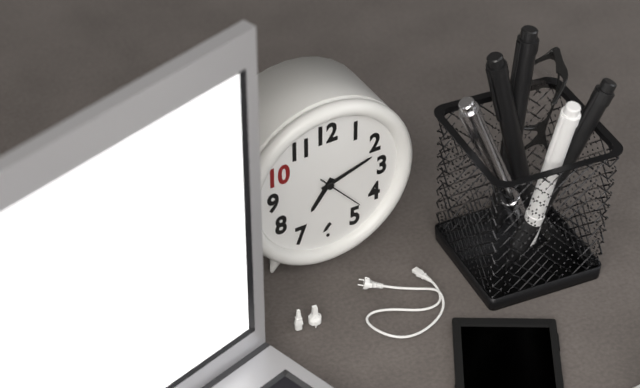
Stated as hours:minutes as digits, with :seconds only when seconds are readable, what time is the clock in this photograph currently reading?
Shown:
7:12:23
